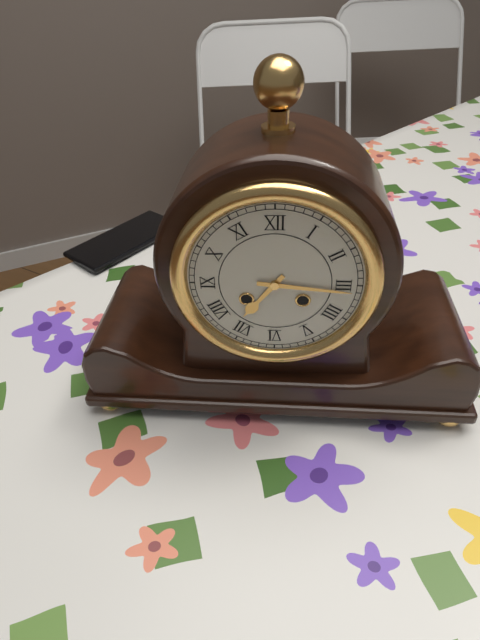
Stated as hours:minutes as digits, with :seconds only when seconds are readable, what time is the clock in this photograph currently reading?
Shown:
7:16
